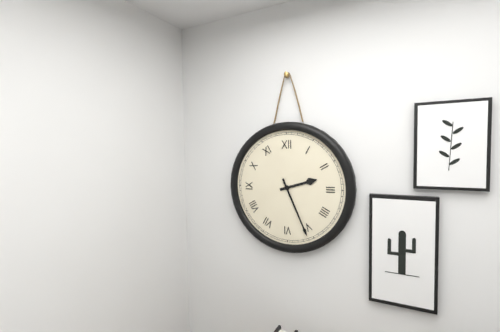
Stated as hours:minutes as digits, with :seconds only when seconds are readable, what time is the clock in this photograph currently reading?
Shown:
2:26
